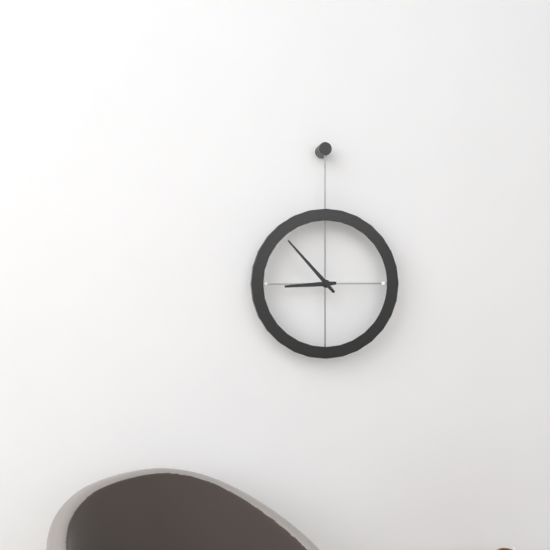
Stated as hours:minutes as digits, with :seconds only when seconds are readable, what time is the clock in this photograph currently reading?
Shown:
8:53
